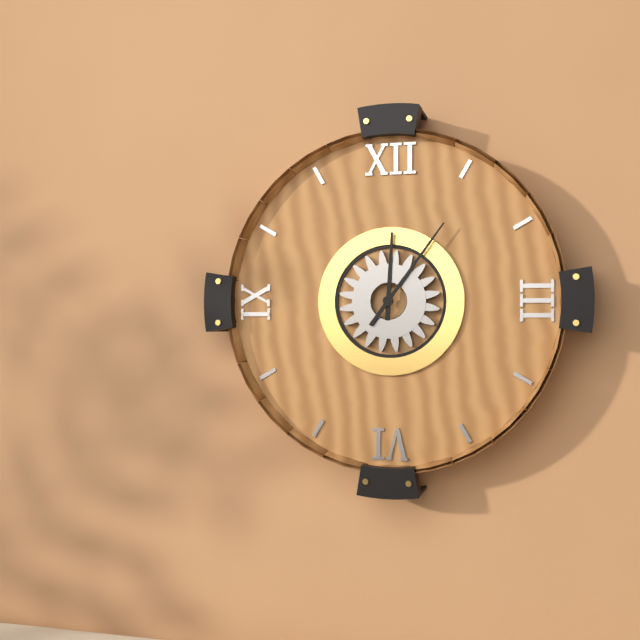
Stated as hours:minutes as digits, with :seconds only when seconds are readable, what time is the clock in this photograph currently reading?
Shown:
12:06
